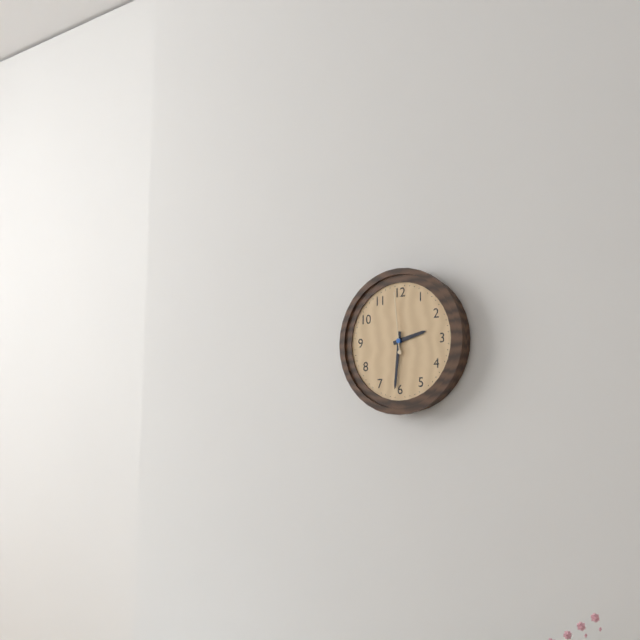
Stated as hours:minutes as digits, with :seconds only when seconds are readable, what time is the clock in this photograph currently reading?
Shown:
2:31:59
